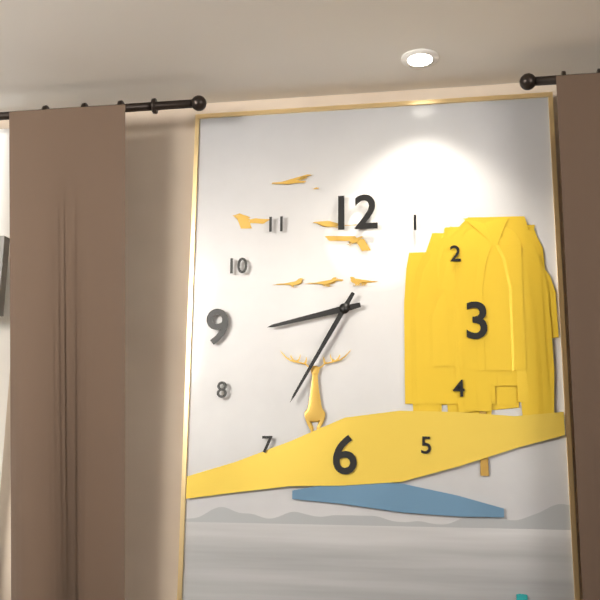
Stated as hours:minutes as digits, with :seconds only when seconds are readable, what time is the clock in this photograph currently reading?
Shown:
8:35
